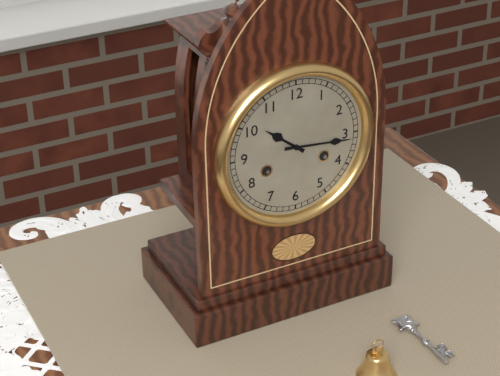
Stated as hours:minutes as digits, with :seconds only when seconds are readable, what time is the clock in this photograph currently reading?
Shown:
10:16
